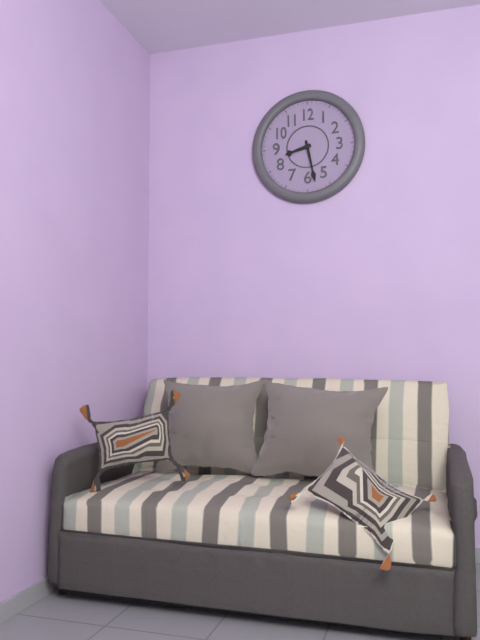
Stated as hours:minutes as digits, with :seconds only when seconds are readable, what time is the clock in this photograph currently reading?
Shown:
8:28
